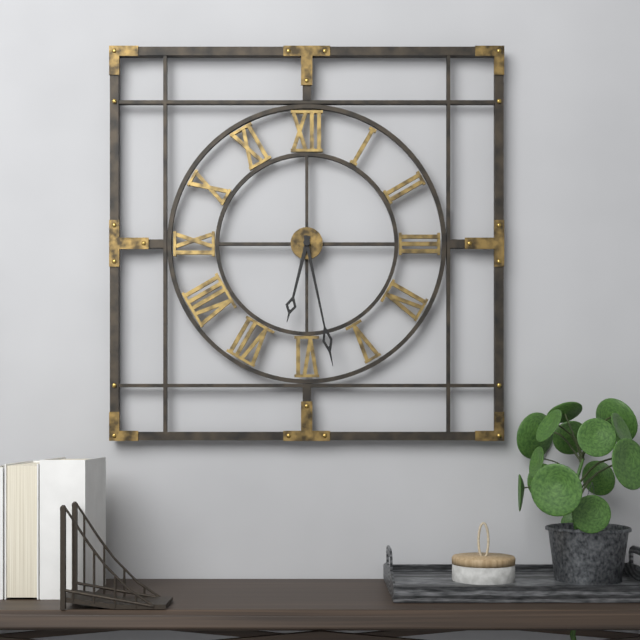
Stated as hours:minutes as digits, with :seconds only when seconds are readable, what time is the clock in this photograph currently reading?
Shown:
6:28
